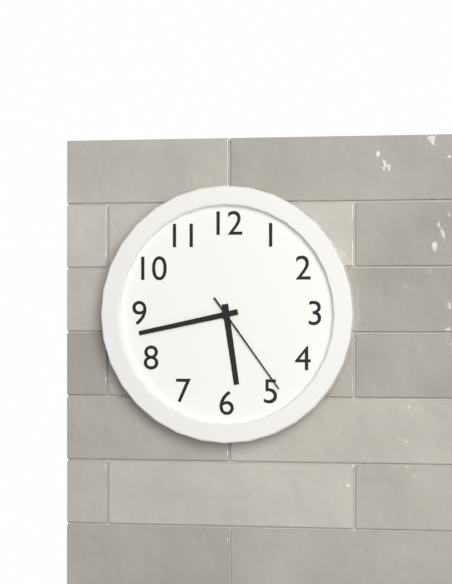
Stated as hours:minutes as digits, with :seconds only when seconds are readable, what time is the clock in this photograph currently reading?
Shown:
5:43:24
